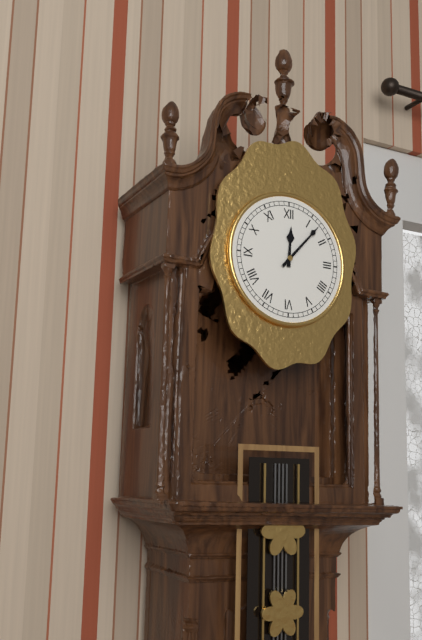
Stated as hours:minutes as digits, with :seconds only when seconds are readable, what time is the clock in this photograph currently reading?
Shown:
12:07
